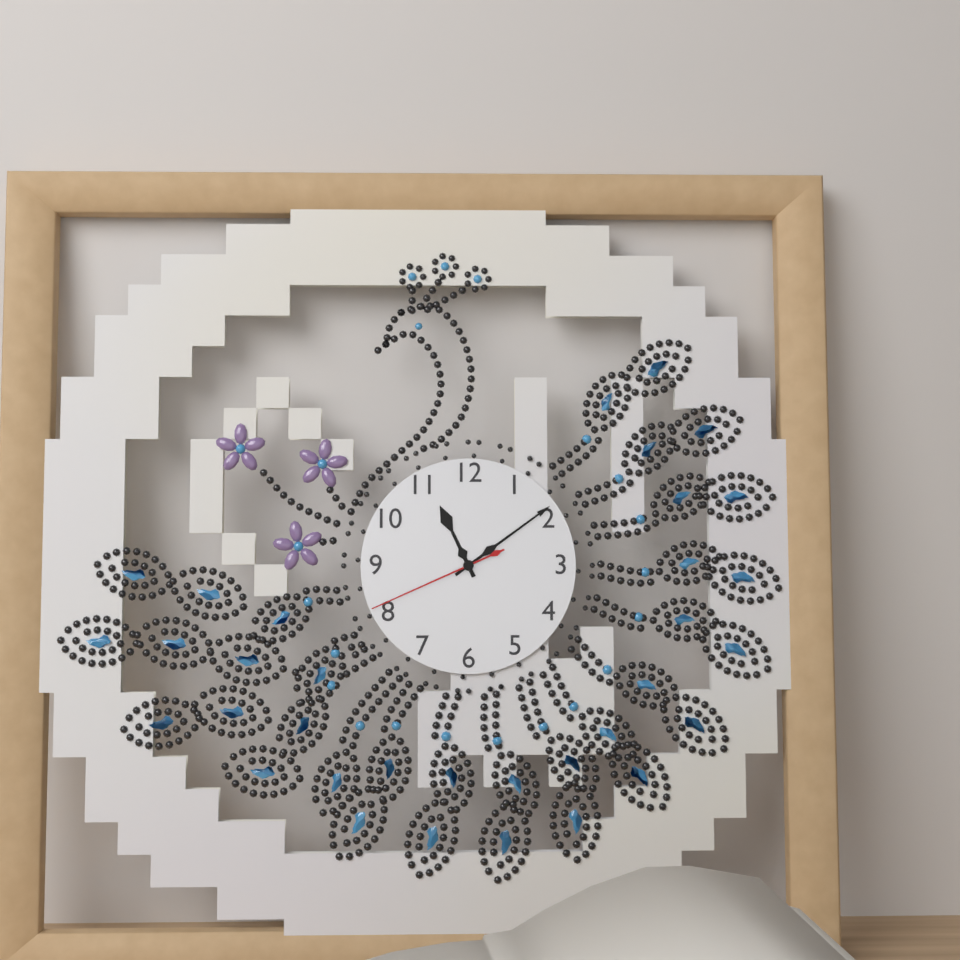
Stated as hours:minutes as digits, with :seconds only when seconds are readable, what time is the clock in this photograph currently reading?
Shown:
11:09:41
